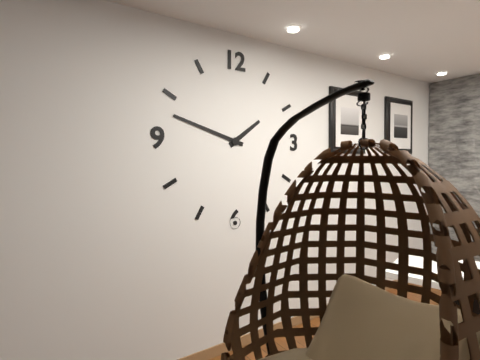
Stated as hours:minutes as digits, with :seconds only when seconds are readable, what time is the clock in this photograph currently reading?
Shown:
1:48
